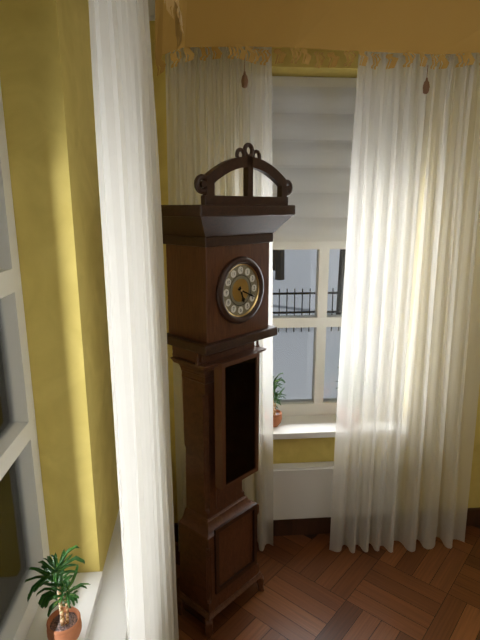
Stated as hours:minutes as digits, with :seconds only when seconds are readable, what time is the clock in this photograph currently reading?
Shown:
5:19
